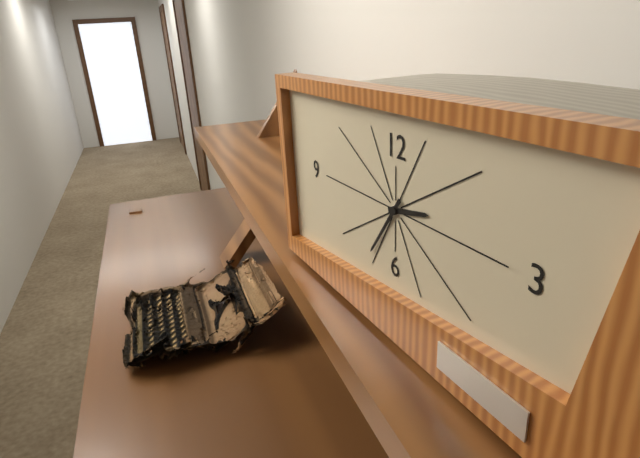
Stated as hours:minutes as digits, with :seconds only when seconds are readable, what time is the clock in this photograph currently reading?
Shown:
2:36
